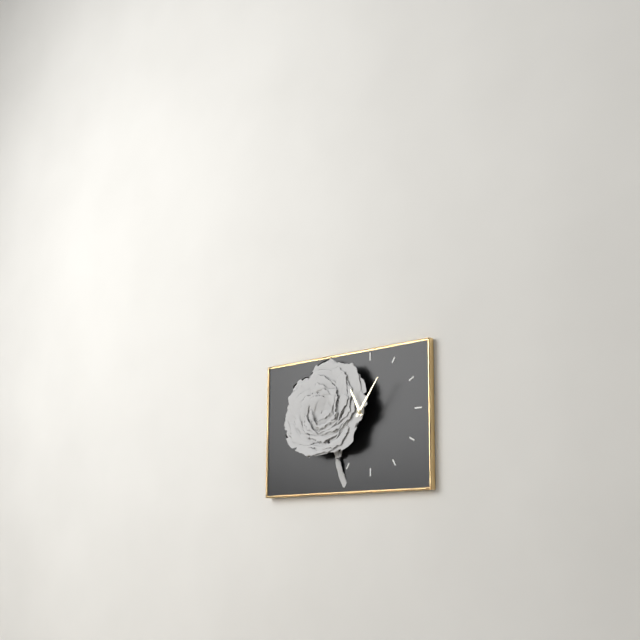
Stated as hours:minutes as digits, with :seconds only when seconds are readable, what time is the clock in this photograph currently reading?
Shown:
11:06
